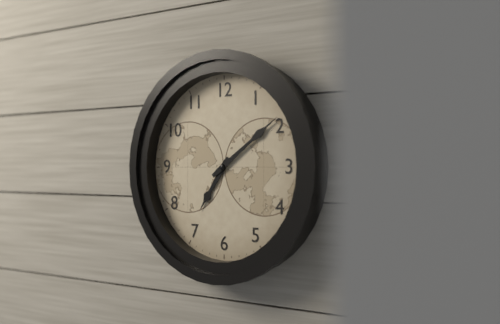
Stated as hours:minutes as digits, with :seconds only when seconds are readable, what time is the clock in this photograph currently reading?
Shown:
7:09
